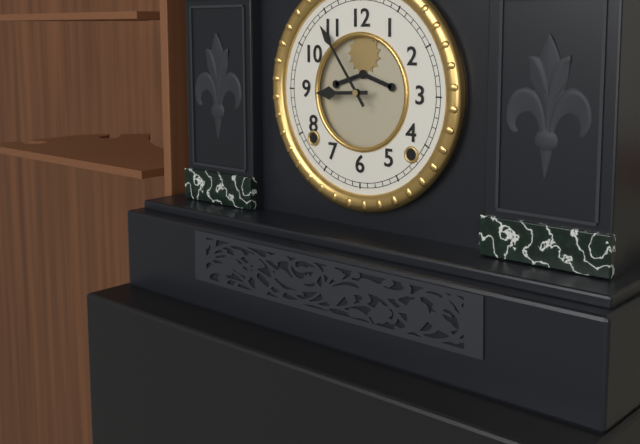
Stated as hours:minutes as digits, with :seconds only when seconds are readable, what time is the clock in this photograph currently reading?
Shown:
8:54
